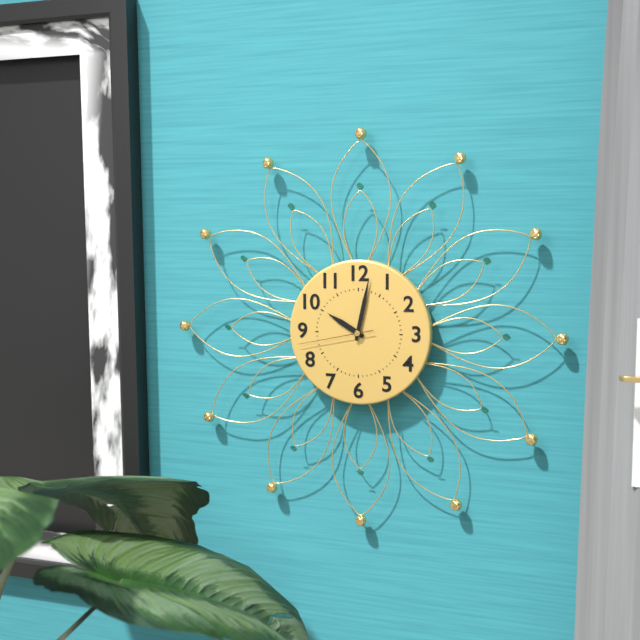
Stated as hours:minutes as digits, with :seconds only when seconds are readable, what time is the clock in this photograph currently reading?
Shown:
10:02:43
